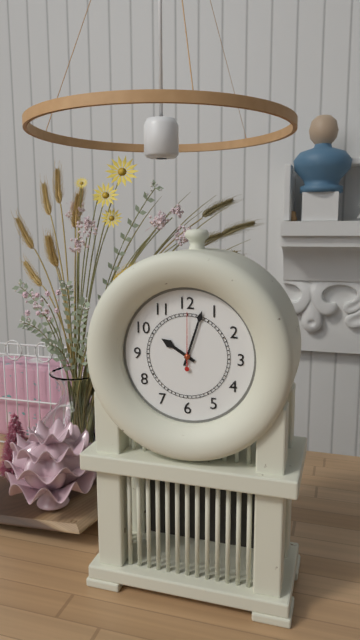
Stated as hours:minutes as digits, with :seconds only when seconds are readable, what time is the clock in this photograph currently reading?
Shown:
10:03:00
